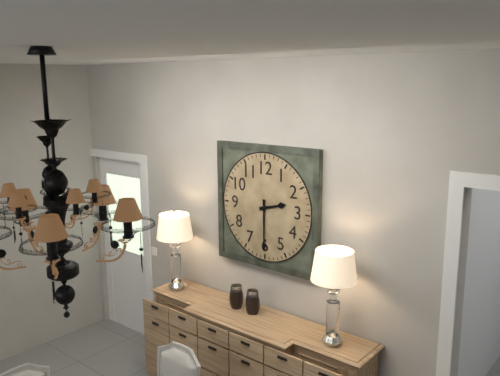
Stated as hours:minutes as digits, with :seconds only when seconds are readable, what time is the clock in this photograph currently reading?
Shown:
2:30
